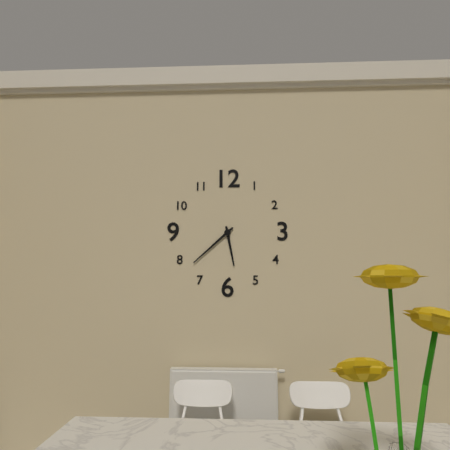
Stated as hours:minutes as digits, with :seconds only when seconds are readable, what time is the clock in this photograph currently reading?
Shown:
5:38
